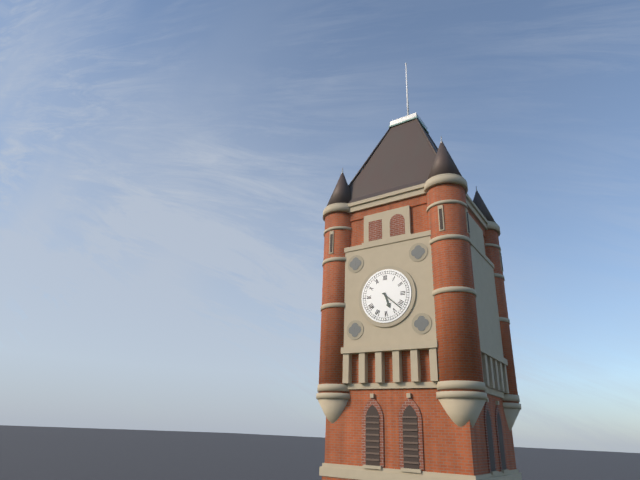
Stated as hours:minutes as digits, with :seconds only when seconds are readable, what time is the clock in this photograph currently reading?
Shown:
5:22
